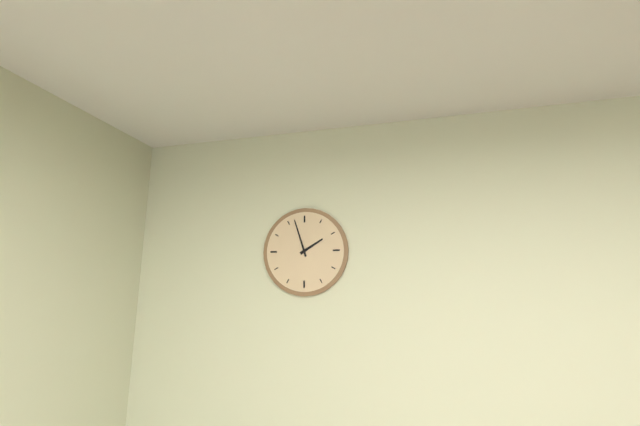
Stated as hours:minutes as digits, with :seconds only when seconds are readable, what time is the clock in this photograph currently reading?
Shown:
1:57
